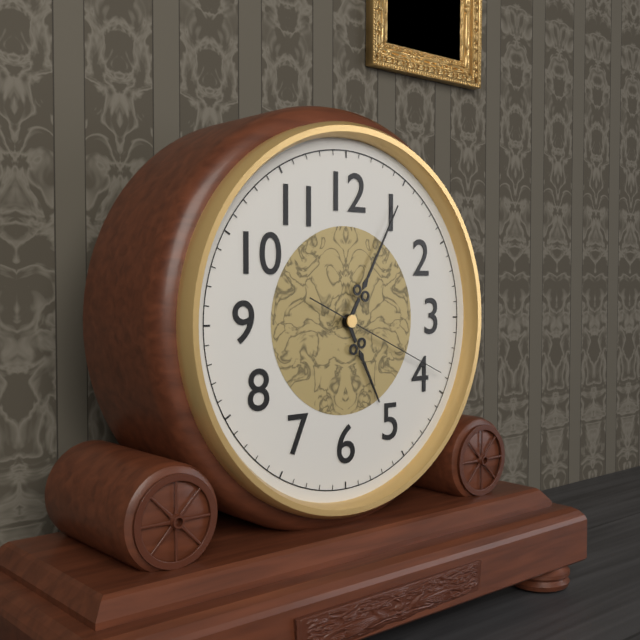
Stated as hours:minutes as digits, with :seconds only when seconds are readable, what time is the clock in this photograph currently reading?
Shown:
5:05:19
